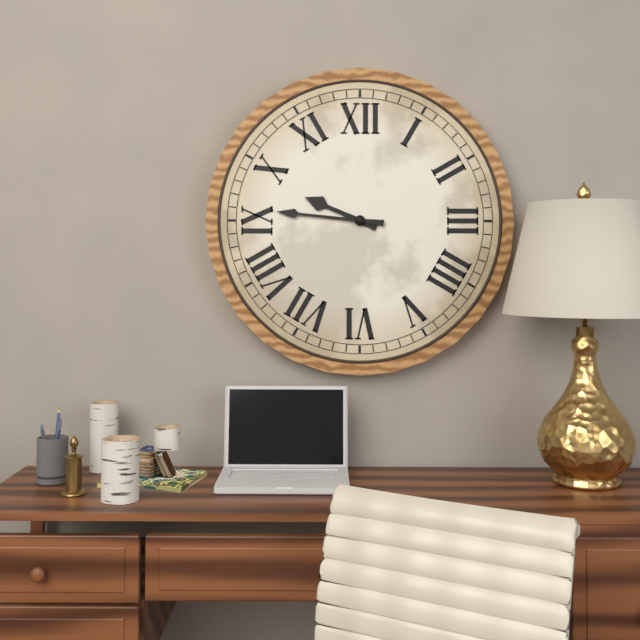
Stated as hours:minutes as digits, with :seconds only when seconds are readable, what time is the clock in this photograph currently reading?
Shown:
9:46
